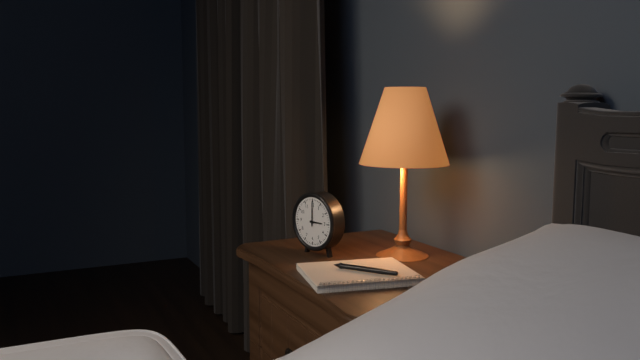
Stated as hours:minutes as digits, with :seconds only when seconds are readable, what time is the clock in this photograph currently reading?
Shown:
3:00
